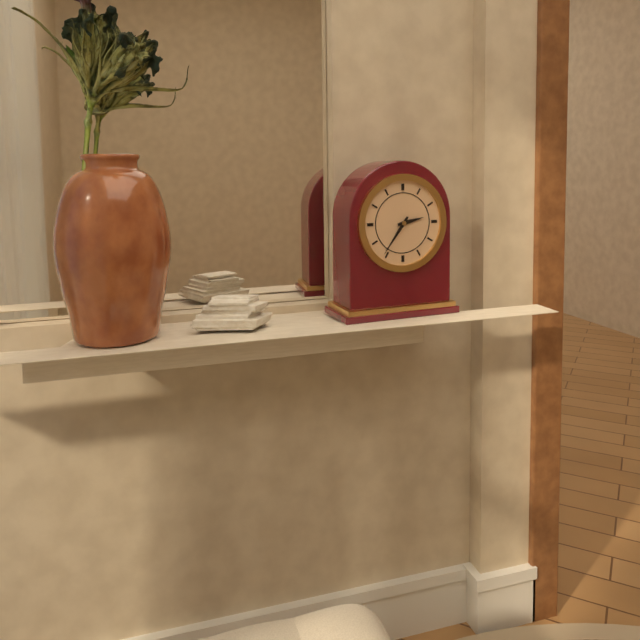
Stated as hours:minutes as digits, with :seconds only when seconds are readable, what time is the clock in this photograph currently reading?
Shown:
2:36
